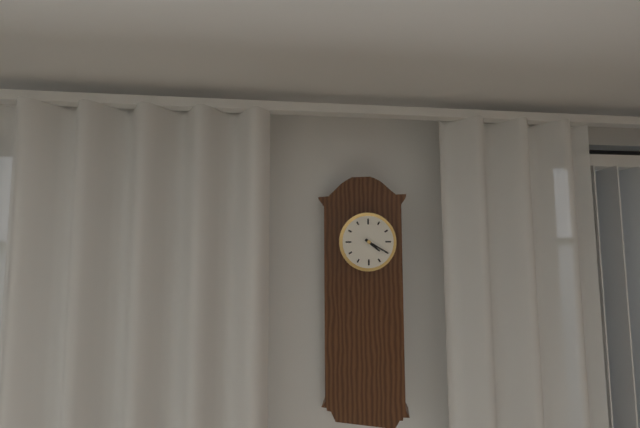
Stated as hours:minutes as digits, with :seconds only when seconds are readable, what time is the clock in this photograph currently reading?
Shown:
4:20
